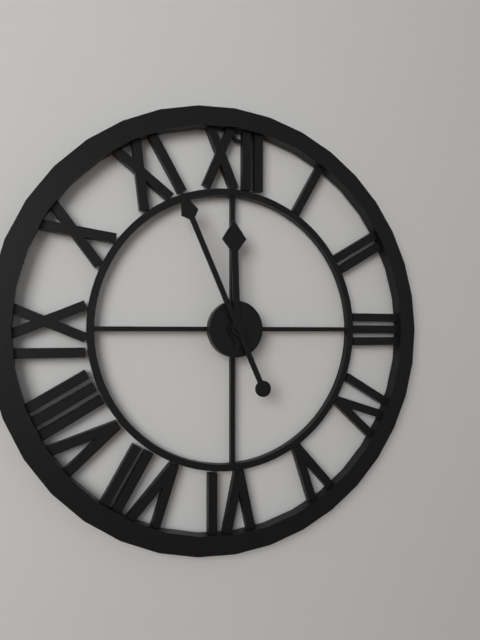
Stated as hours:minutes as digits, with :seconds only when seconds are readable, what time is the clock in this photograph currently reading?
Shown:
11:56
